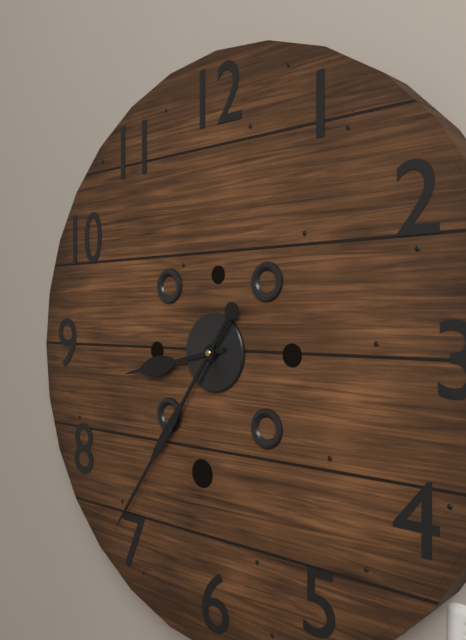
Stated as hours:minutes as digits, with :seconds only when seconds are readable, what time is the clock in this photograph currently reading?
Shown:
8:36
